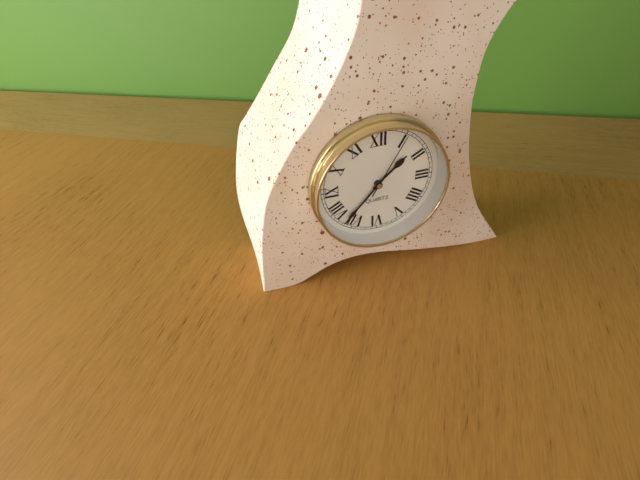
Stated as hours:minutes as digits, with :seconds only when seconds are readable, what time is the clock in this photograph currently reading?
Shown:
1:37:05
